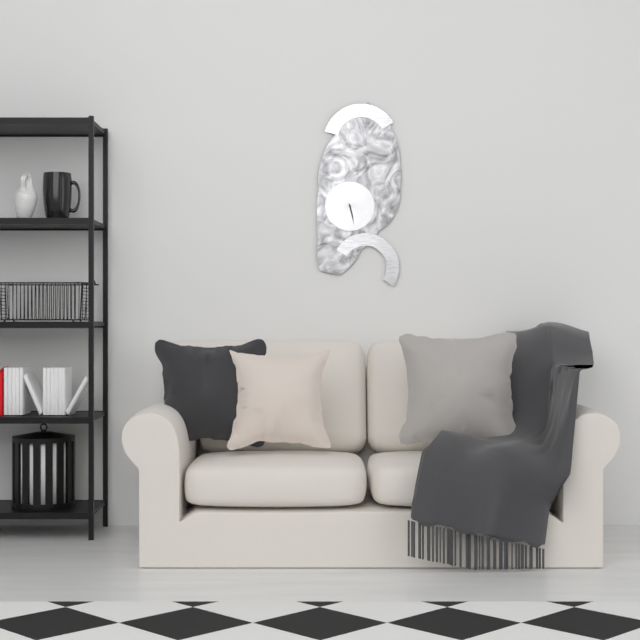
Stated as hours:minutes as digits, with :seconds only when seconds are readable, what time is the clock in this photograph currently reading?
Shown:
5:28
